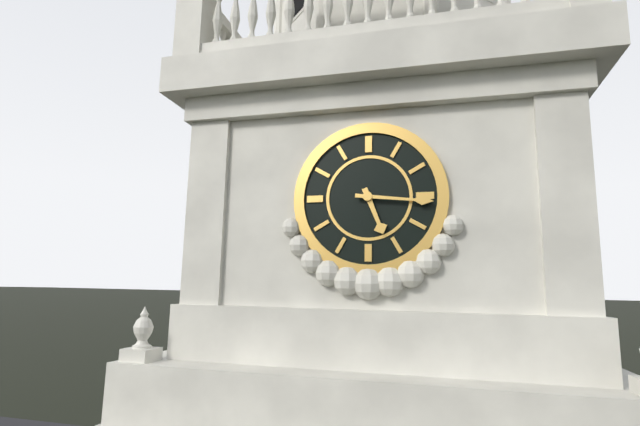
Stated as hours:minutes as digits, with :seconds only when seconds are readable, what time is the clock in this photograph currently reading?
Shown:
5:16
